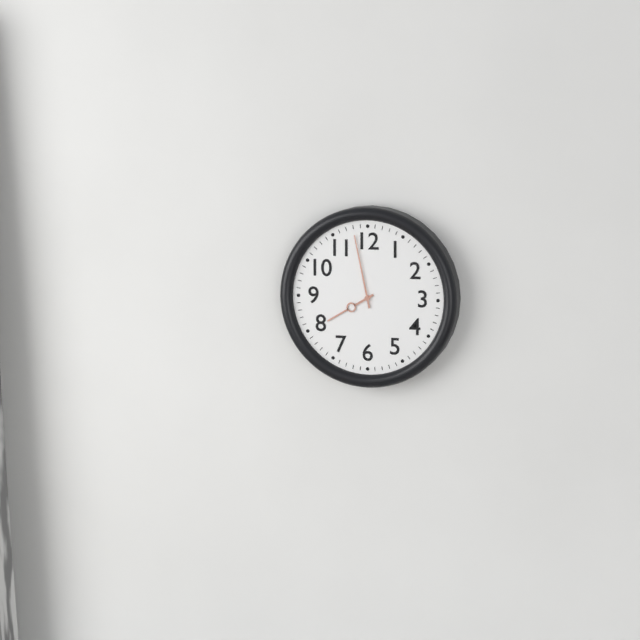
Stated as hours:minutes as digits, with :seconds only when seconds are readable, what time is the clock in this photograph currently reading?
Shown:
7:58
